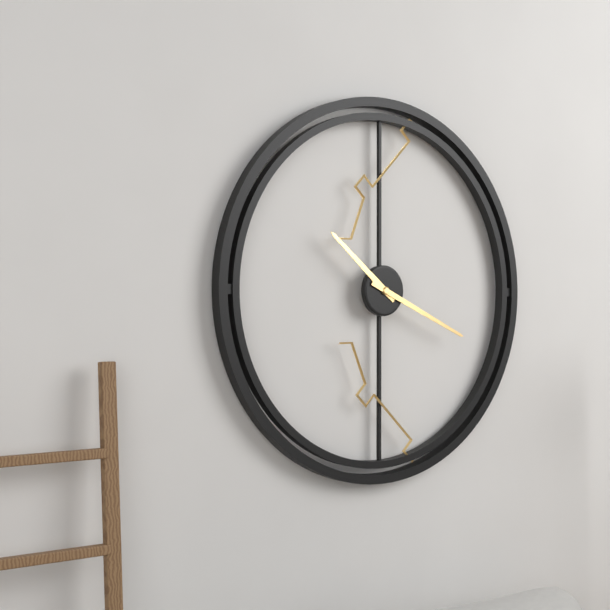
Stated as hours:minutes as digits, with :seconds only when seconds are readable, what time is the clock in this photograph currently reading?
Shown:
10:19
